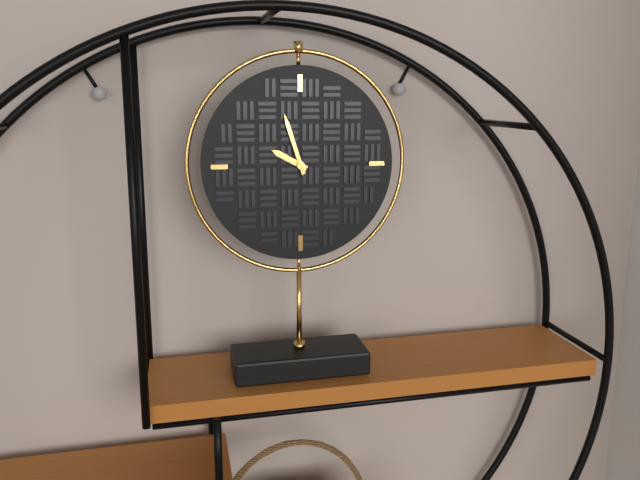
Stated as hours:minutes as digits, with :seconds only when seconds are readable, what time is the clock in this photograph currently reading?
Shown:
9:57
